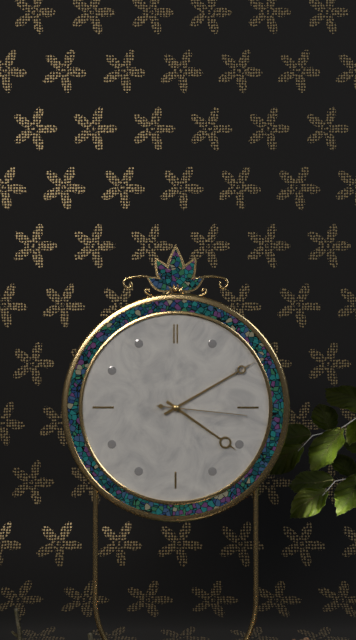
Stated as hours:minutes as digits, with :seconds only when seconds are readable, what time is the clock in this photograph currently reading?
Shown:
4:10:16
